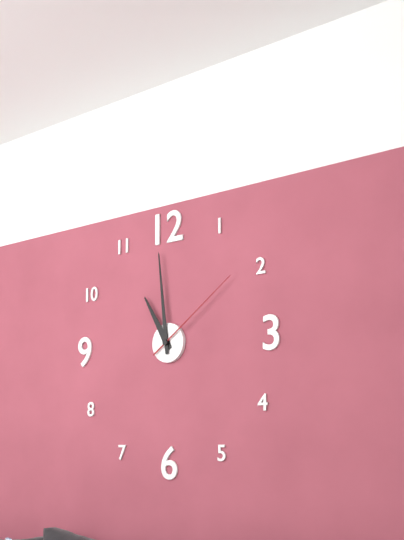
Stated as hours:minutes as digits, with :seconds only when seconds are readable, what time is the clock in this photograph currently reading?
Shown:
10:59:09
